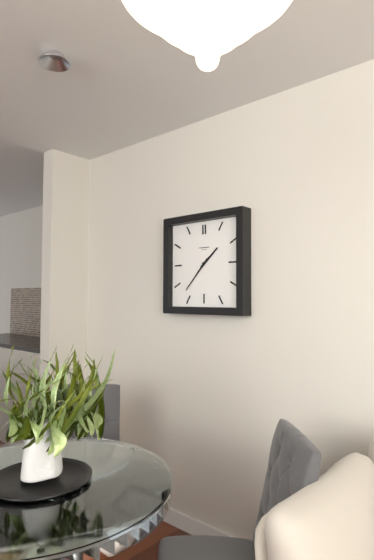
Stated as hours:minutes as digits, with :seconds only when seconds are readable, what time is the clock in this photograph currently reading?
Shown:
1:37
